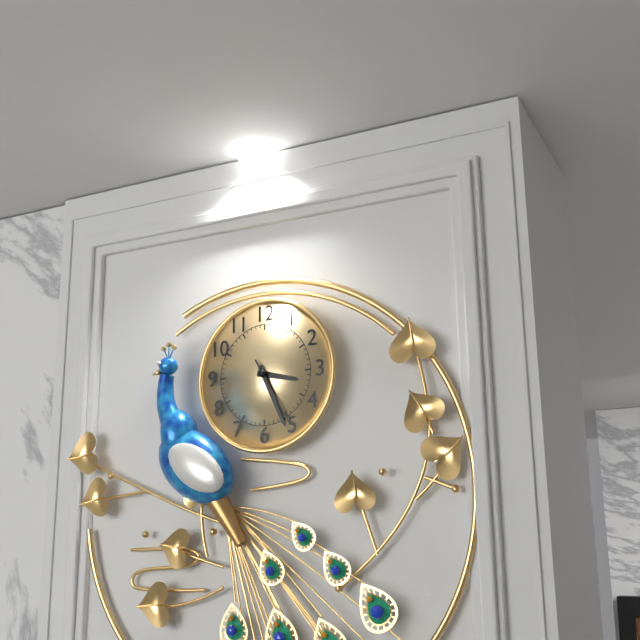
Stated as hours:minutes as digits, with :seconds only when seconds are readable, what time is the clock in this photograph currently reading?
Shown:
3:26:25
